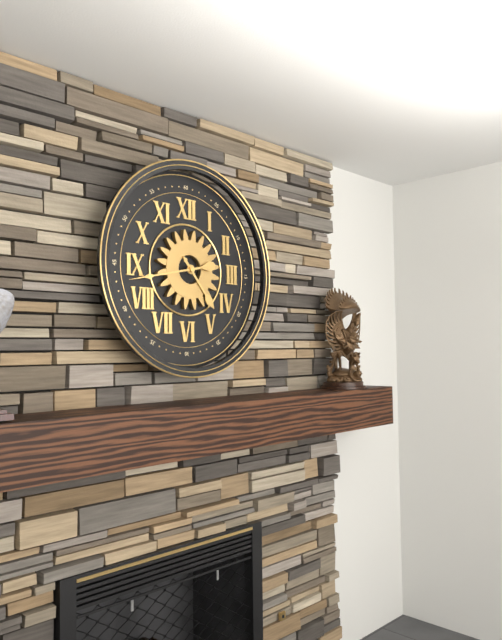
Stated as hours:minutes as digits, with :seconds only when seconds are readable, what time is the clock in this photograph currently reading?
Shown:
4:43
